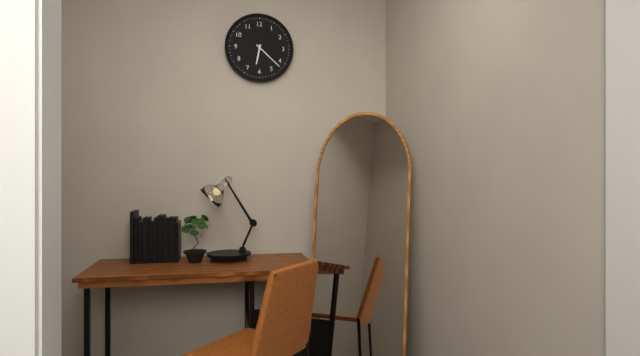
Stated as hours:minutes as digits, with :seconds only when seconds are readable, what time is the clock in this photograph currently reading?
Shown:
6:22
